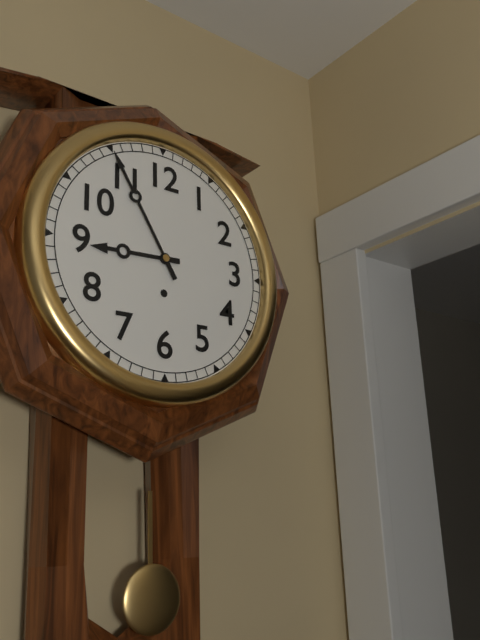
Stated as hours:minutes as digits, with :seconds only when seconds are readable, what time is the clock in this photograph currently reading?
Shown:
8:55
